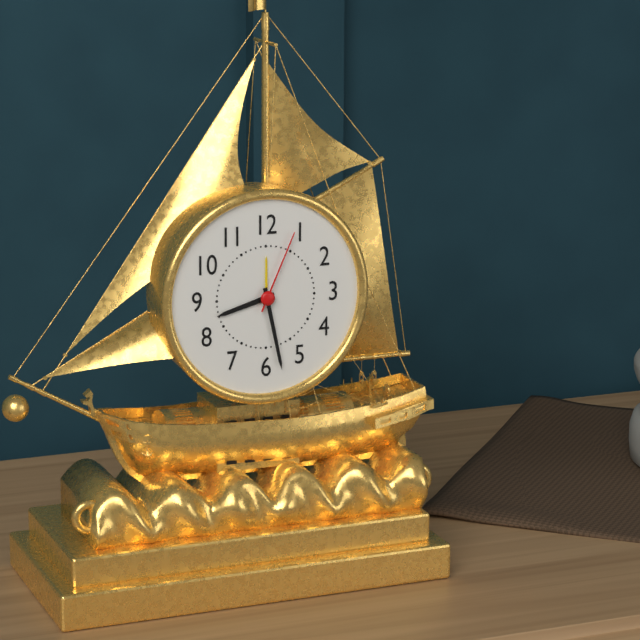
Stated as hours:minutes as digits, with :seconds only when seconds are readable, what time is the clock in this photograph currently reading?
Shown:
8:28:04
